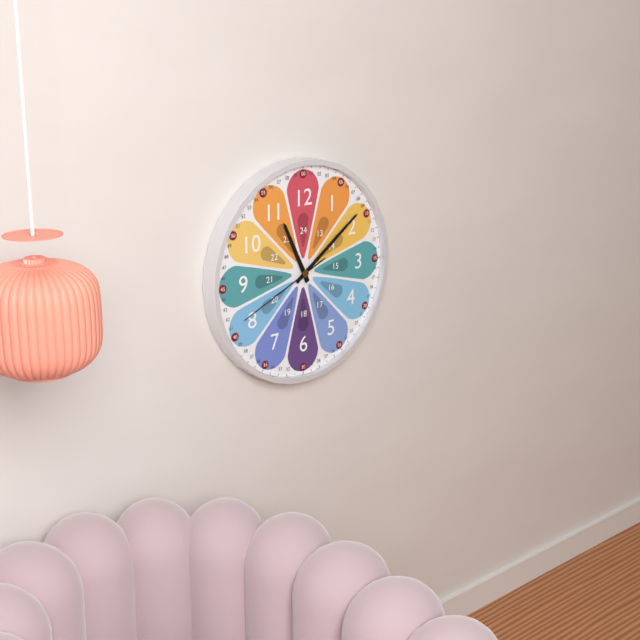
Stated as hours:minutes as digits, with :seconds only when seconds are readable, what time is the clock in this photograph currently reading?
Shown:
11:09:41
